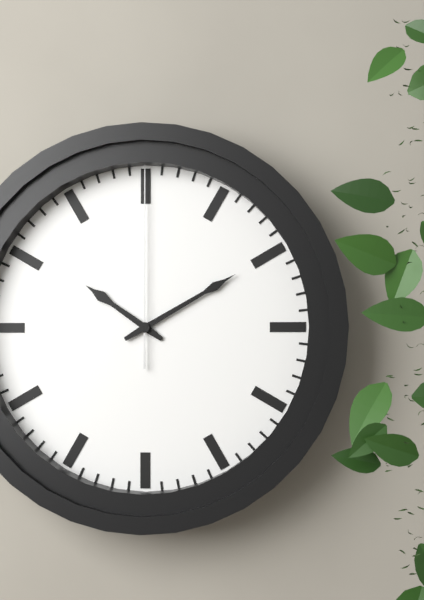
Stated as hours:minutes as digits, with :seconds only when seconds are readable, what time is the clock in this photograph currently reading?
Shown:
10:10:00
